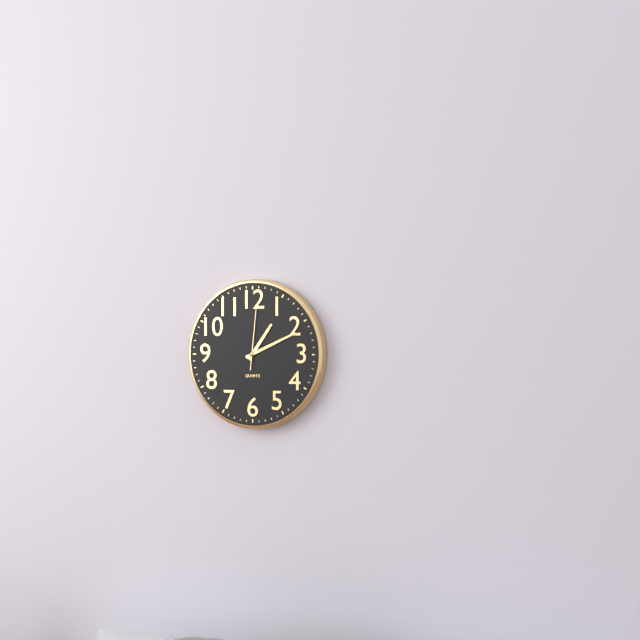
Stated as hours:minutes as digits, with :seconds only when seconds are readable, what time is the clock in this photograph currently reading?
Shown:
1:11:01
